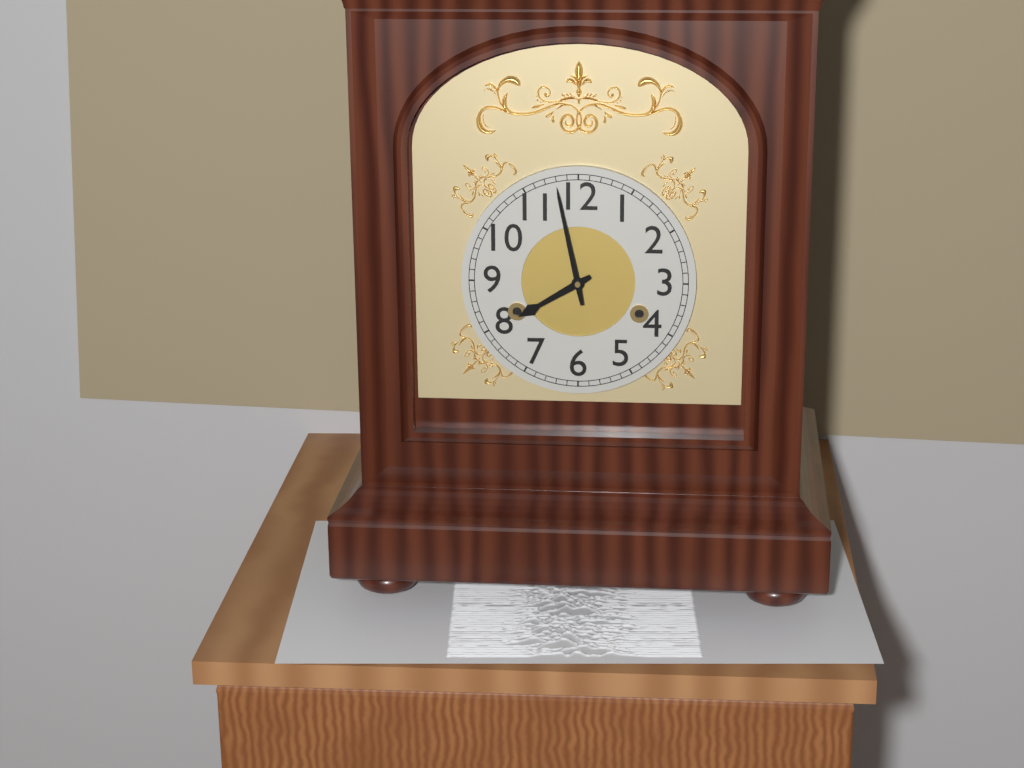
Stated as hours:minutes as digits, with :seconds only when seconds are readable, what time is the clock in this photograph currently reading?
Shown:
7:58
